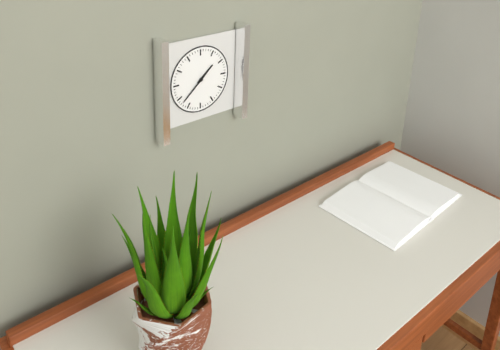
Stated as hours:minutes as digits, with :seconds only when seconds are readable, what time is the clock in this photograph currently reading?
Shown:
1:38
